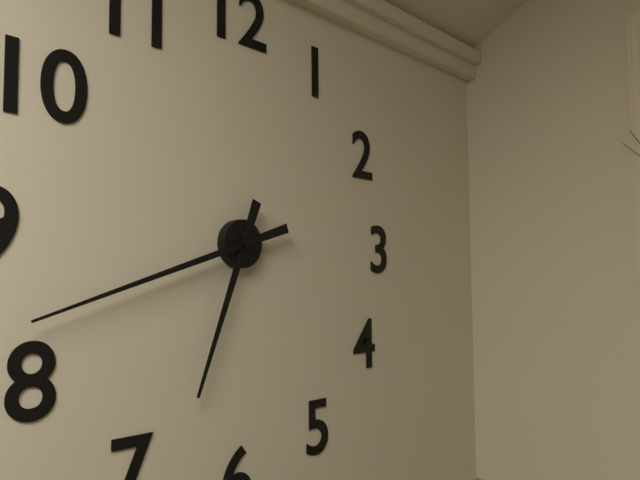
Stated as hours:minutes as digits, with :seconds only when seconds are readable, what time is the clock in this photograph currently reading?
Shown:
6:42
